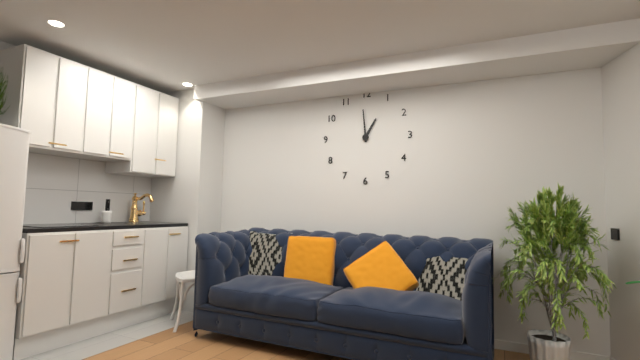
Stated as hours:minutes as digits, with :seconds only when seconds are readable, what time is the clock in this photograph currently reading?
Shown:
12:59
